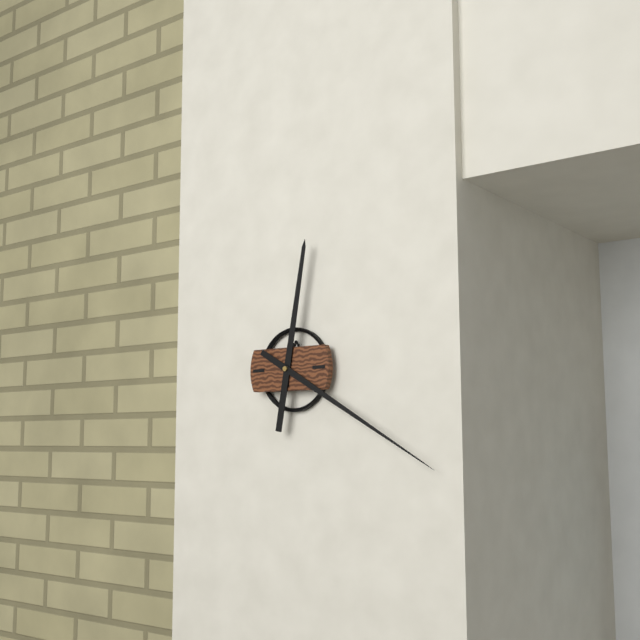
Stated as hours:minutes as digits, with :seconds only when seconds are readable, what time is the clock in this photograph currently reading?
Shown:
12:20
